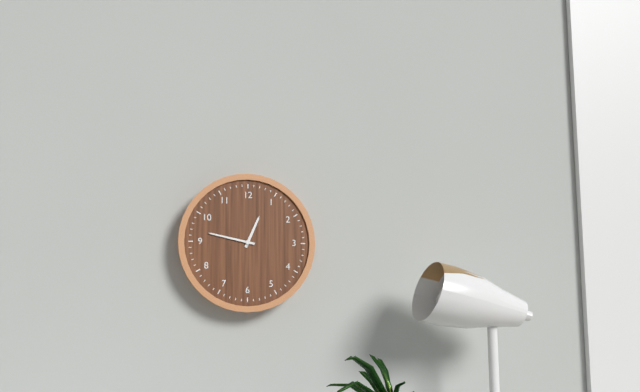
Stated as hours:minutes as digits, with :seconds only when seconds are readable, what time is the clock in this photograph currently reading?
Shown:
12:47
